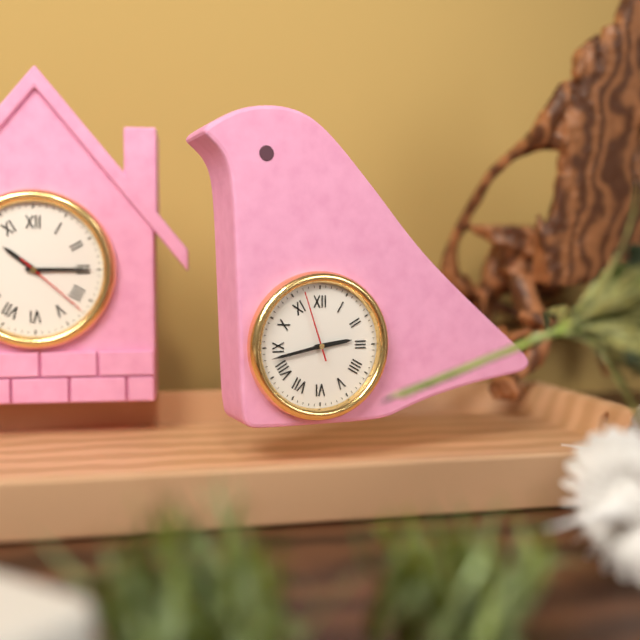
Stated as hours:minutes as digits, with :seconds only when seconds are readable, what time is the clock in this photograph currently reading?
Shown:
2:43:57
